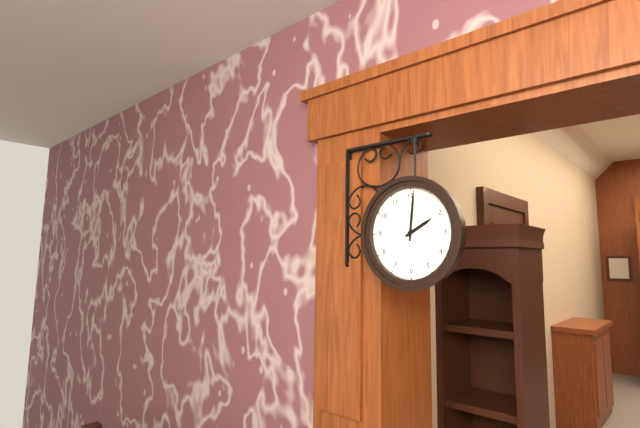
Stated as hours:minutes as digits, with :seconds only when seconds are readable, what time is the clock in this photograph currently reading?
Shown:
2:01
